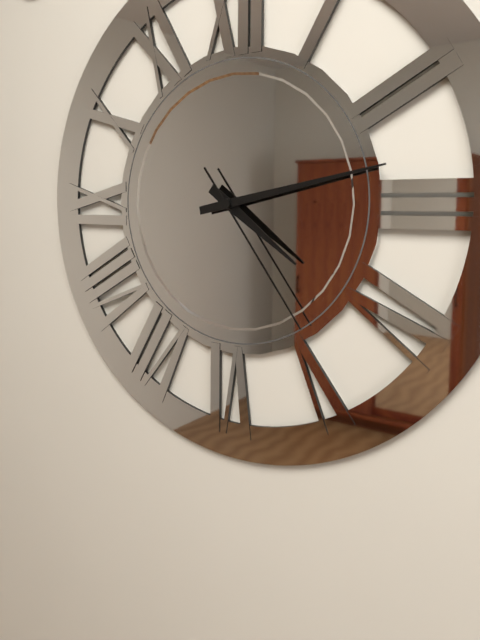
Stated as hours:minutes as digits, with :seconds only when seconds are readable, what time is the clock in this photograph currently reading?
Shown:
4:13:24
